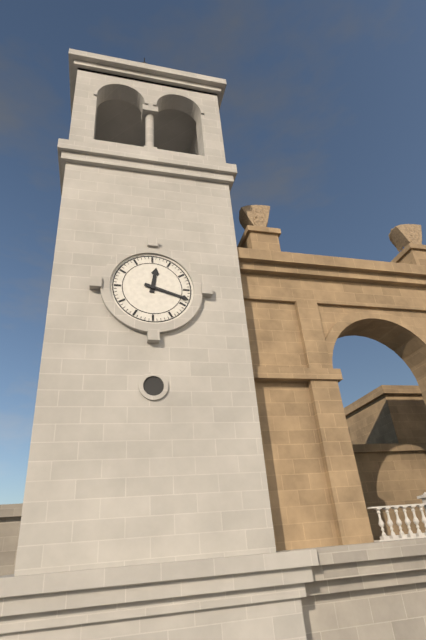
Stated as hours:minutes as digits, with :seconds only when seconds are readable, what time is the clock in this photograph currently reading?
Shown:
12:18
